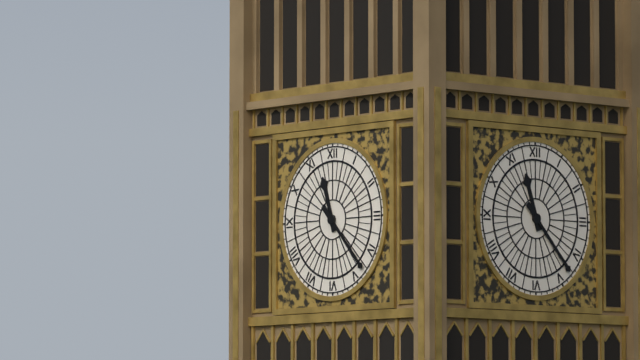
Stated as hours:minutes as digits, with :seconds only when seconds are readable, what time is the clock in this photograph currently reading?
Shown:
11:23
